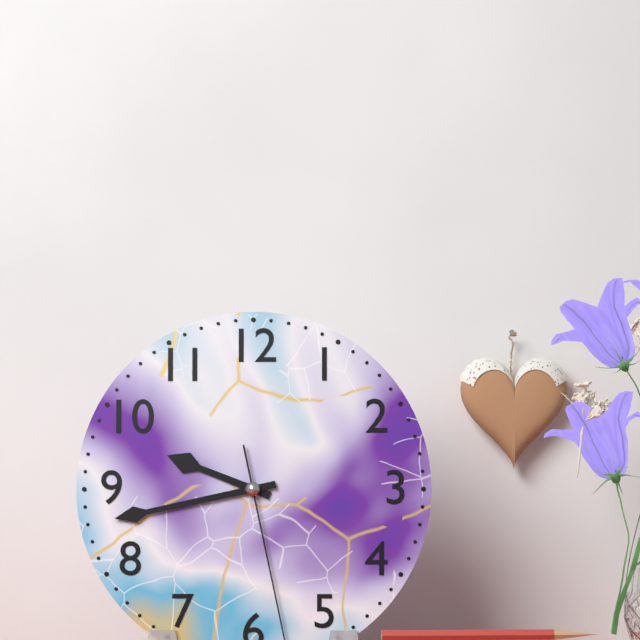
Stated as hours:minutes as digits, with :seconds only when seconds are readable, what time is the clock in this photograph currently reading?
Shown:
9:43
